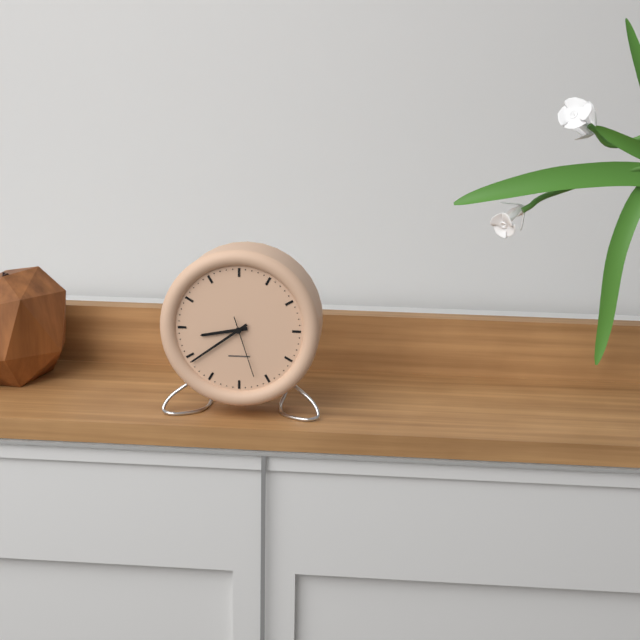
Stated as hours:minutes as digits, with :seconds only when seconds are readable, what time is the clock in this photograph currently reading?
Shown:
8:39:27
